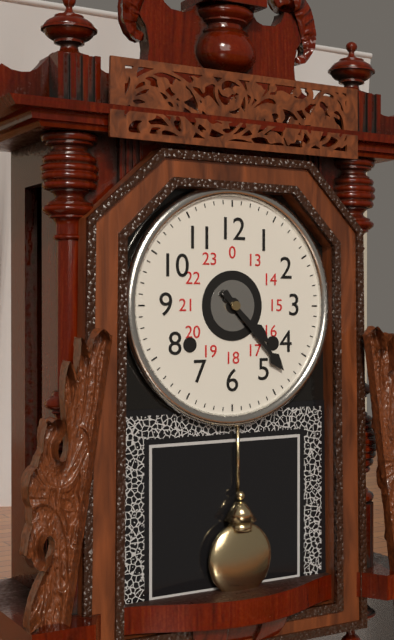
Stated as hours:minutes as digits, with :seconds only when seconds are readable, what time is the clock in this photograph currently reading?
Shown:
4:23
